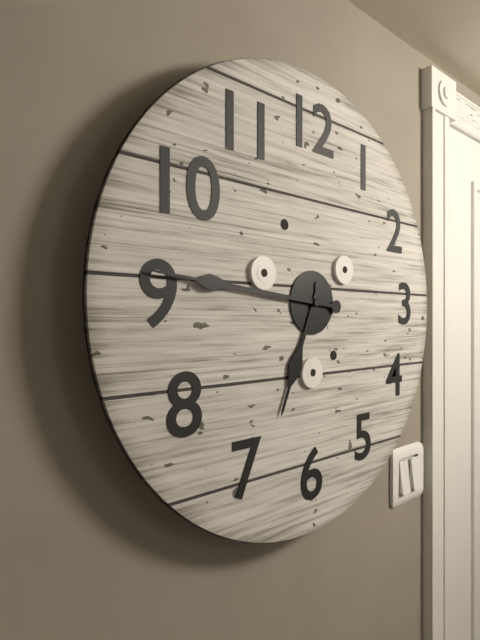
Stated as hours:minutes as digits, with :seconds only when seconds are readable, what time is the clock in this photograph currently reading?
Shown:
6:46
